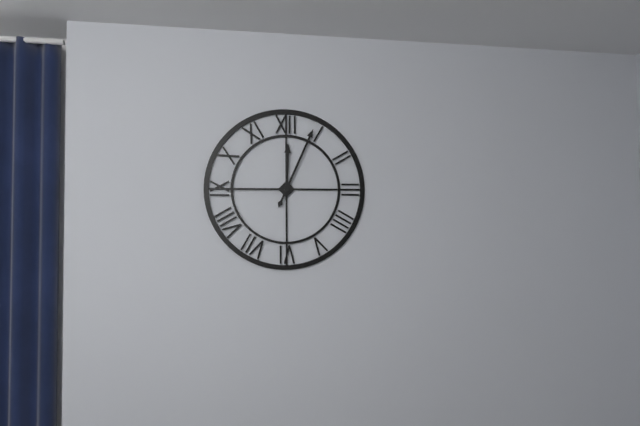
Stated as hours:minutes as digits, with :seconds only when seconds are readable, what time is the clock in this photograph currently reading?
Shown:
12:04
